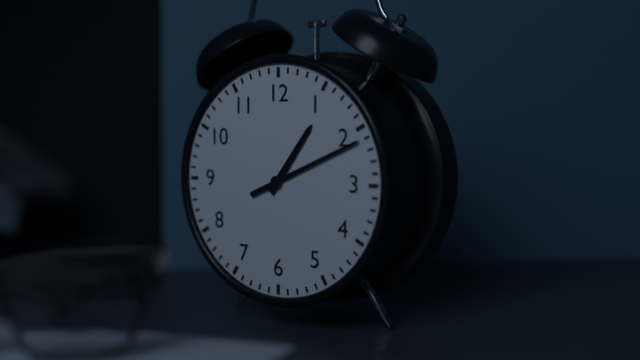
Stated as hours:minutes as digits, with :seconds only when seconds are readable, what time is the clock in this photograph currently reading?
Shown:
1:11
